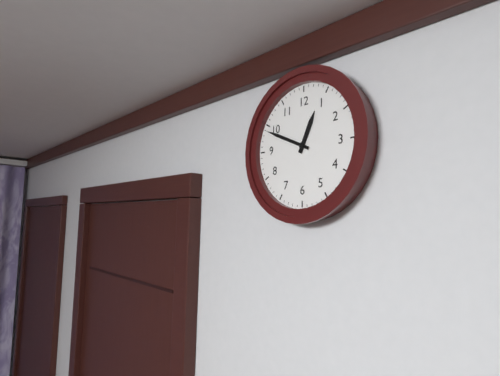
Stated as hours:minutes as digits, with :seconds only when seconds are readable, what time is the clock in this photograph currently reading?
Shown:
12:49
